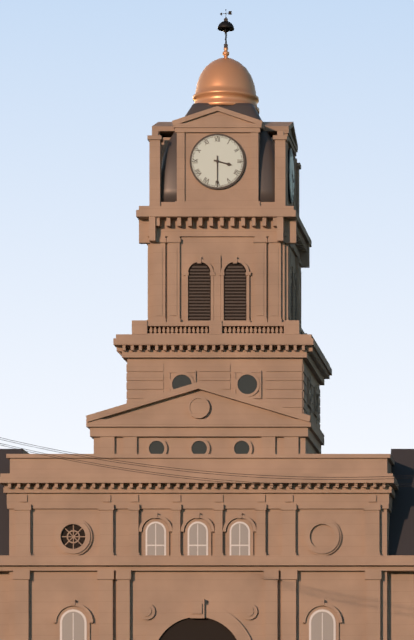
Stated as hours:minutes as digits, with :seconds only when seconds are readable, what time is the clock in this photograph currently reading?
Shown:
3:30
